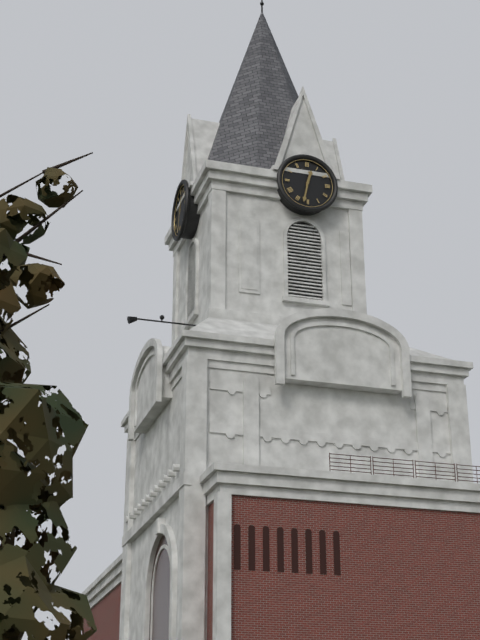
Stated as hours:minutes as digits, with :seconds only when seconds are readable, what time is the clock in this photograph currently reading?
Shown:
12:32
